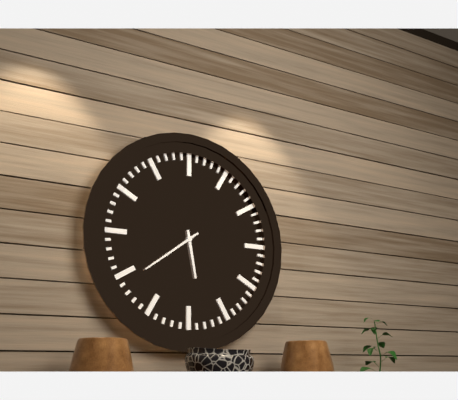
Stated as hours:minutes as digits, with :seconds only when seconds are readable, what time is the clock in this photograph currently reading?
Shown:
5:39
